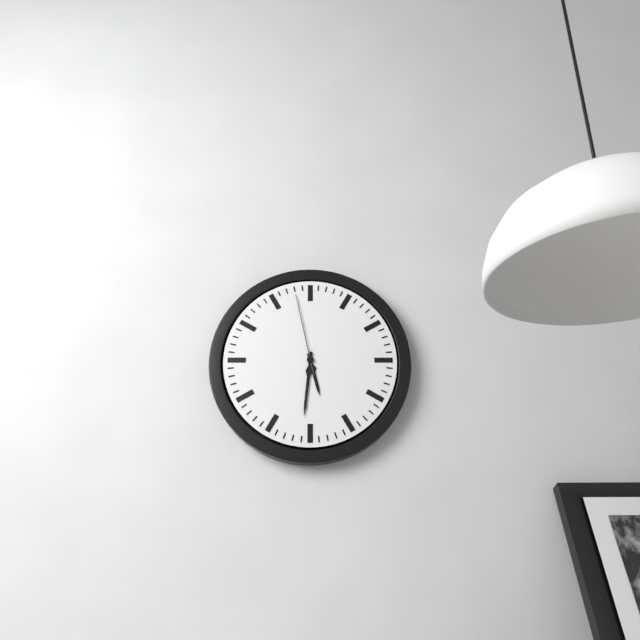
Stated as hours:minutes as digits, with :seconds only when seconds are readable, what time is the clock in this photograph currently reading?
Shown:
5:31:58
